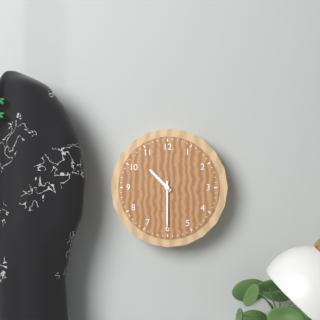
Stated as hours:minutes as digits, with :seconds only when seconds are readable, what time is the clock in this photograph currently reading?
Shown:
10:30
